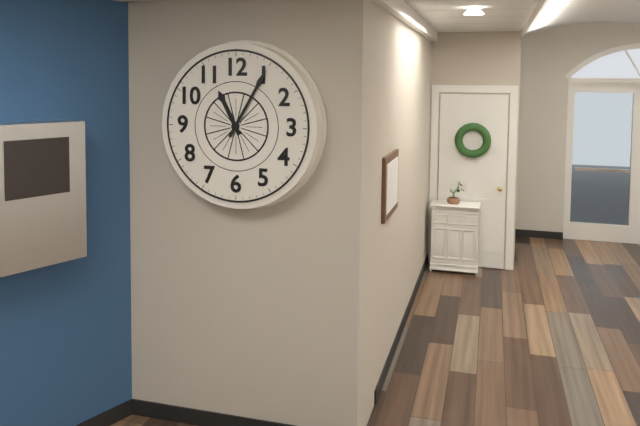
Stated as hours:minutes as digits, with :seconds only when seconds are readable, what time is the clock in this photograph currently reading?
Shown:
11:05
